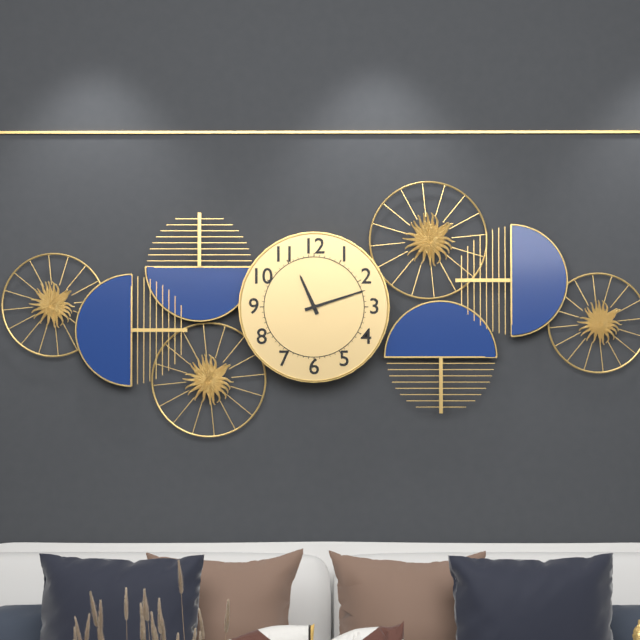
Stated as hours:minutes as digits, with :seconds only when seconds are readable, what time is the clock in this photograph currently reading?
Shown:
11:12
